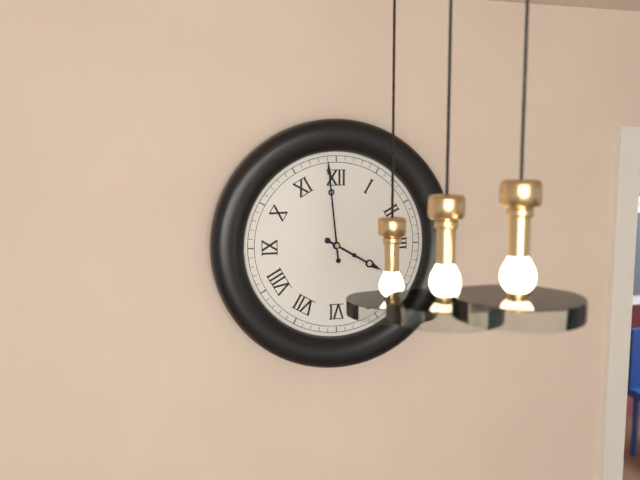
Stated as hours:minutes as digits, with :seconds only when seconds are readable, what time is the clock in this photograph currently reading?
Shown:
3:59
